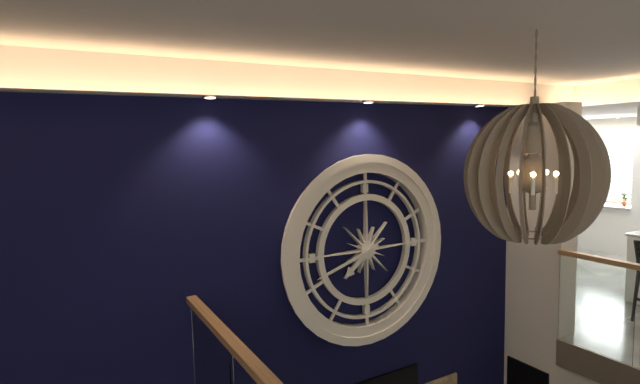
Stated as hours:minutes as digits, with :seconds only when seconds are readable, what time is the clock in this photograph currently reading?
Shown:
7:42
